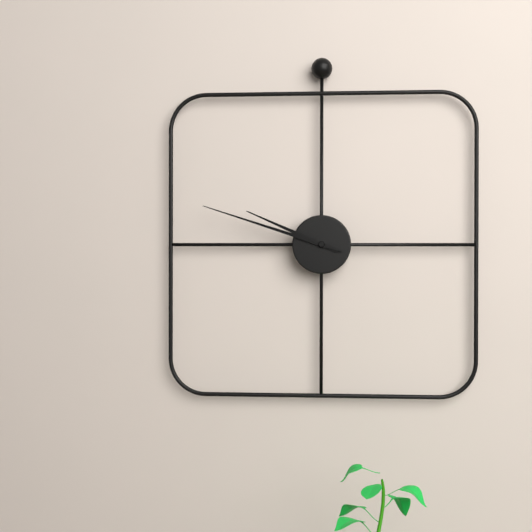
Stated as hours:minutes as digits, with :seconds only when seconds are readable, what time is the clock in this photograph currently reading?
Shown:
9:48
